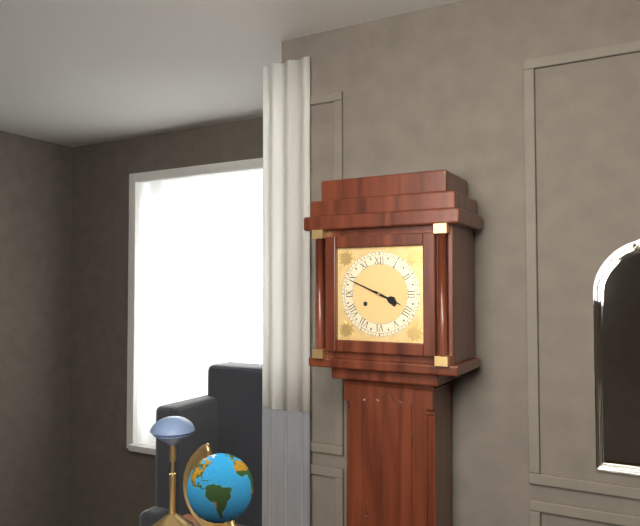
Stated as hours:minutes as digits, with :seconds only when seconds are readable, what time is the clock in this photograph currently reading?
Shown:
3:49
